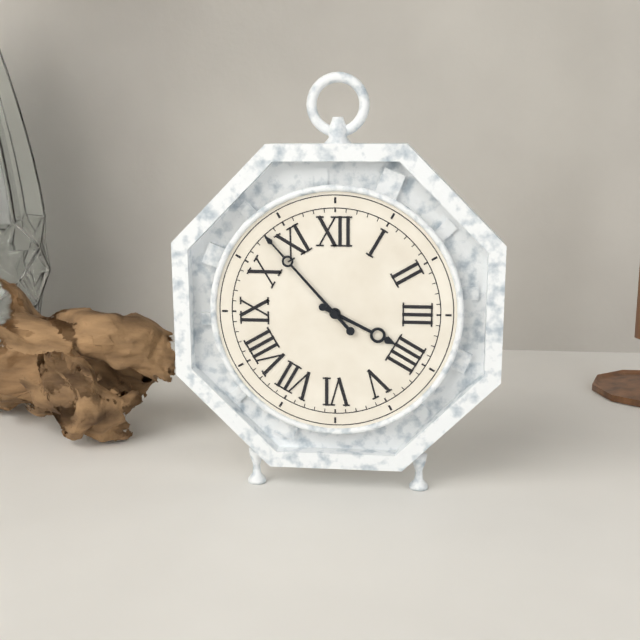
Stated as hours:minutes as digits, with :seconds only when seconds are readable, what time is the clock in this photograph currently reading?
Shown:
3:53
